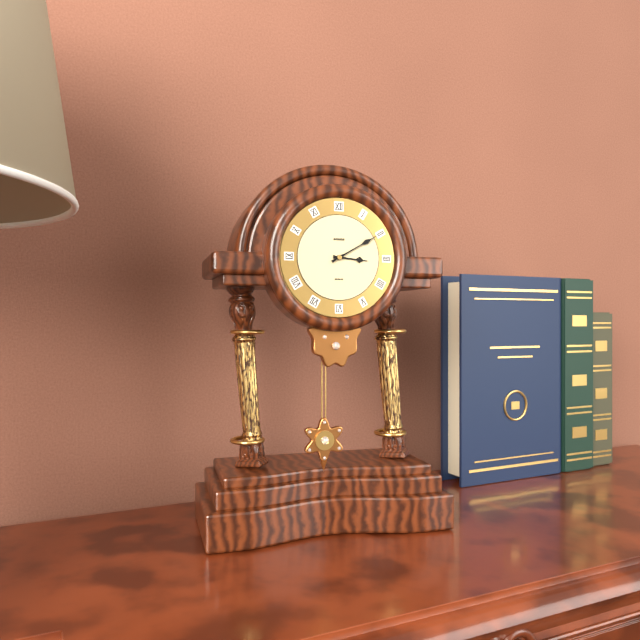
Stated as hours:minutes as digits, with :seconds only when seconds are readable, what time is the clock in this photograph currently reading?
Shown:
3:10
